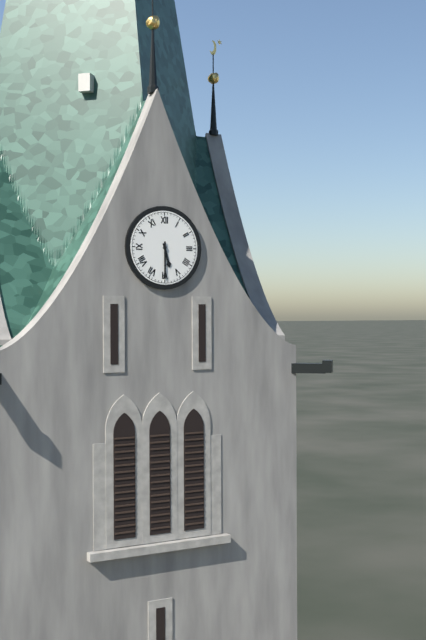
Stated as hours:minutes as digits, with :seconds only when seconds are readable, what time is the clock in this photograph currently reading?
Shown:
5:30
